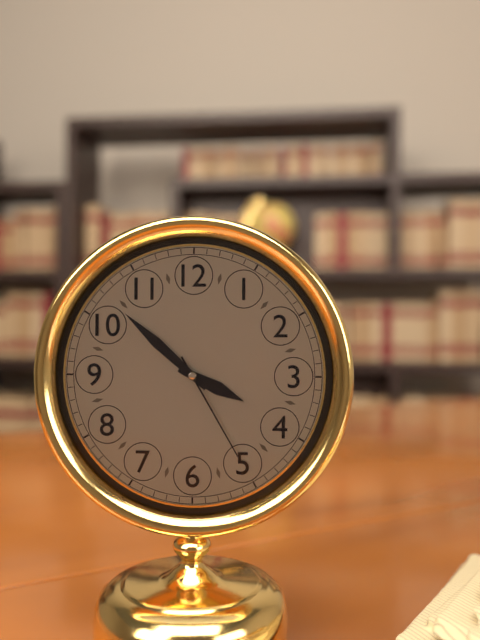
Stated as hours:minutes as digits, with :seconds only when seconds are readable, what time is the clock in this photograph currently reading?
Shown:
3:52:25
